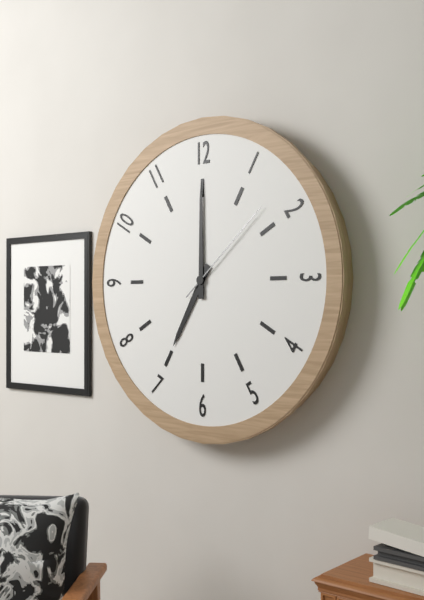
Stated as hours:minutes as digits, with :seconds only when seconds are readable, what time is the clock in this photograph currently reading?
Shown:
7:00:08
